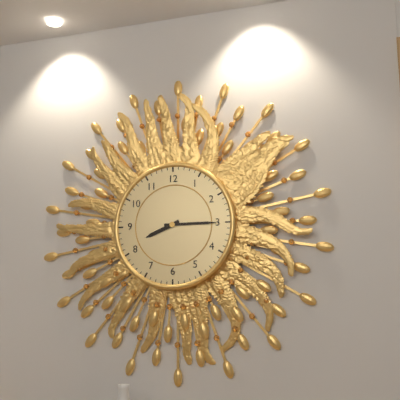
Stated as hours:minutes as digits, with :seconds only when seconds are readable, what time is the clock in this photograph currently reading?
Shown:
8:15
